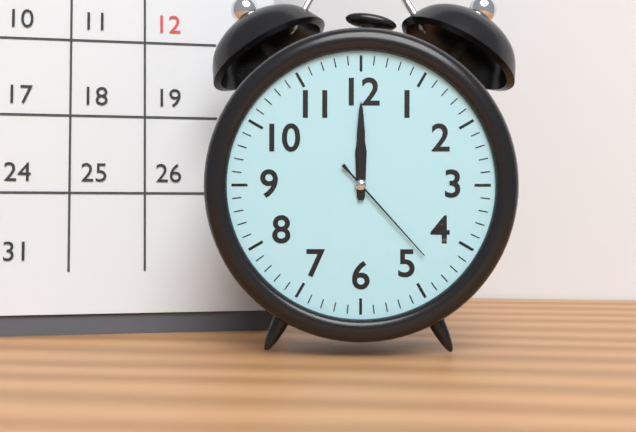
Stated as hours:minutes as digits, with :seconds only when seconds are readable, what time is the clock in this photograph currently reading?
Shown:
12:00:23
